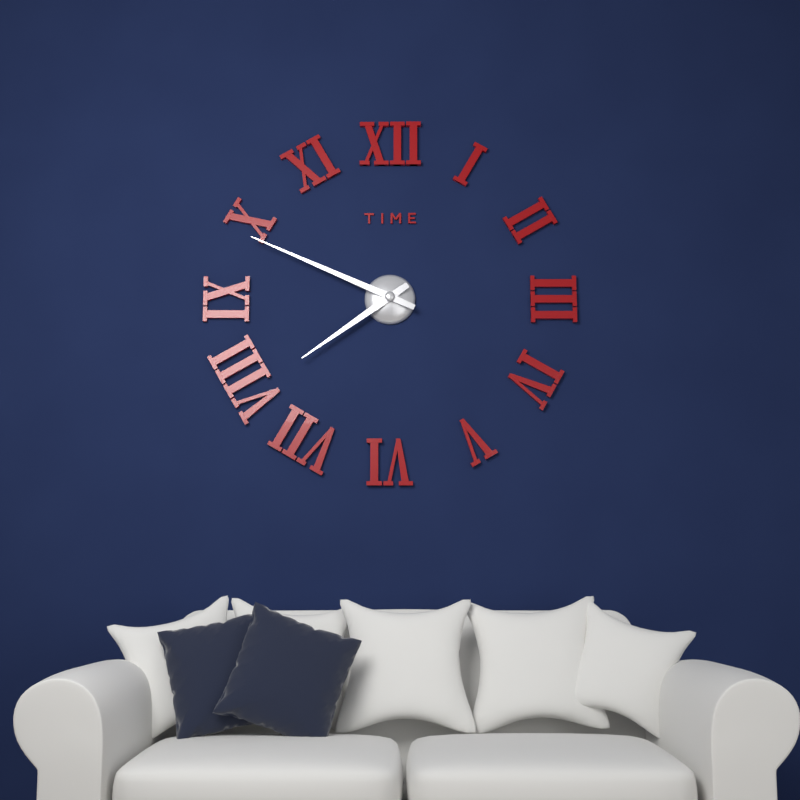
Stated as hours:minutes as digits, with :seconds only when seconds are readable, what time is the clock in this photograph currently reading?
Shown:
7:49
